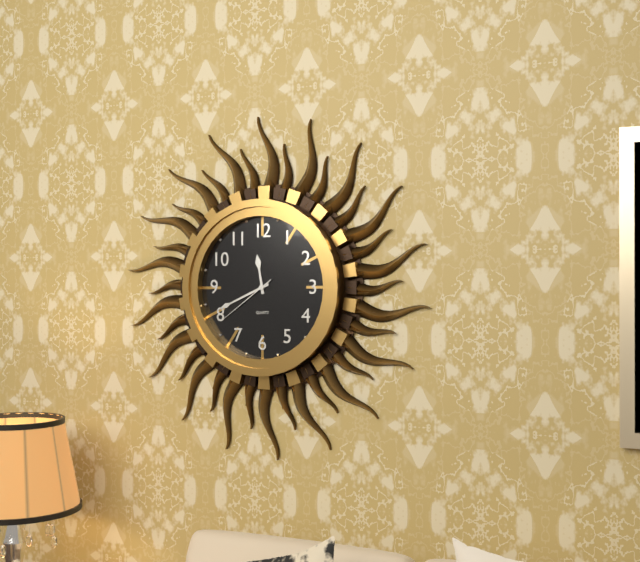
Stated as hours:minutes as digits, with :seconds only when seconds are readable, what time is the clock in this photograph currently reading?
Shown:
11:41:39
